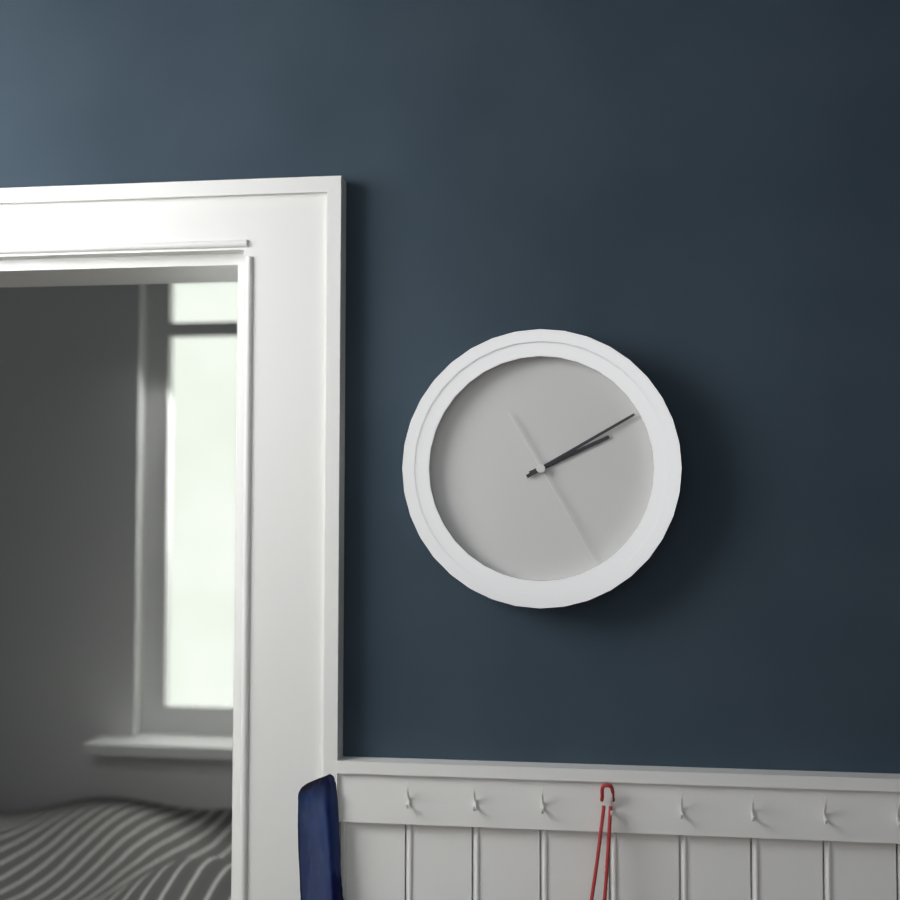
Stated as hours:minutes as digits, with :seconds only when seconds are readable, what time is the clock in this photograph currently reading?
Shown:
2:10:25
